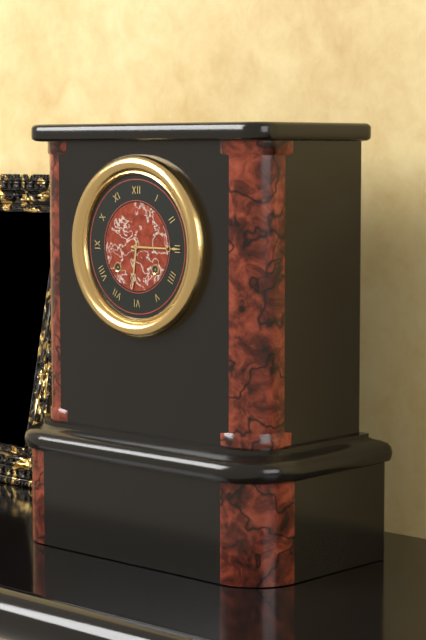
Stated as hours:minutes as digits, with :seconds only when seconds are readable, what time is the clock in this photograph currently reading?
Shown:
6:15
